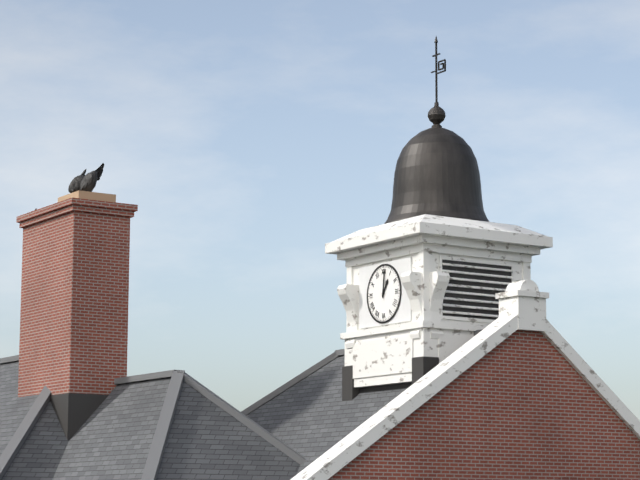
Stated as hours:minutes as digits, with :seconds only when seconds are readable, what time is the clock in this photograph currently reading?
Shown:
1:01
